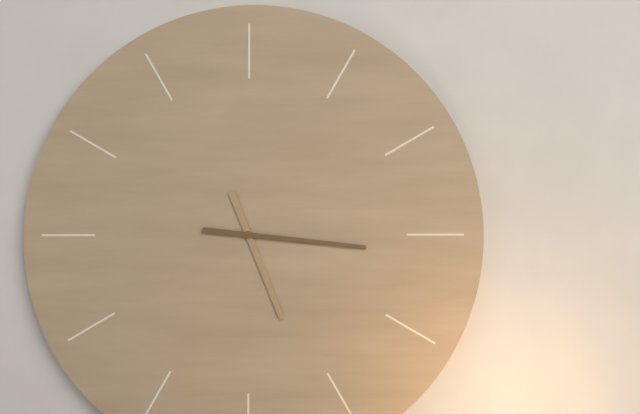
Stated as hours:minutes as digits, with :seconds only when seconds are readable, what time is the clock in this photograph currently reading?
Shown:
5:16
